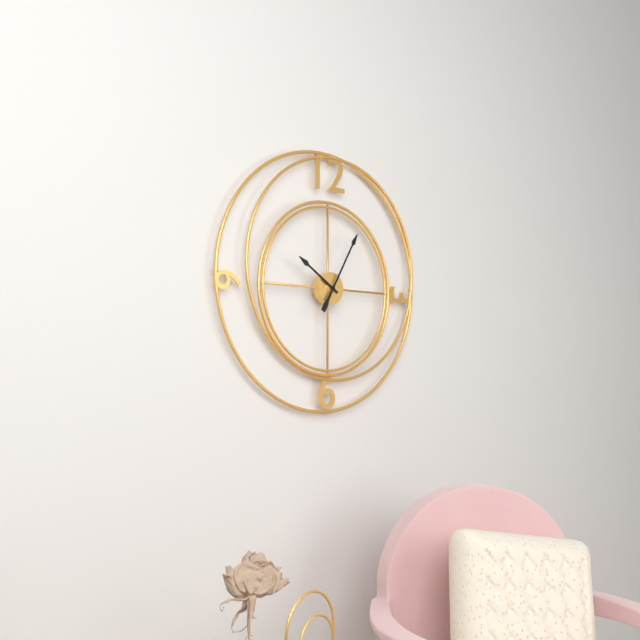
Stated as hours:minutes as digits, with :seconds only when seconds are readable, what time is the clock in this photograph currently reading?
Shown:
10:05
